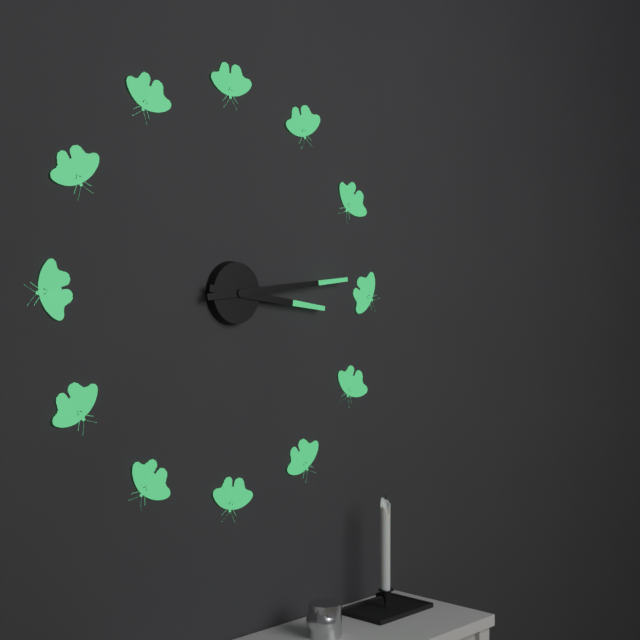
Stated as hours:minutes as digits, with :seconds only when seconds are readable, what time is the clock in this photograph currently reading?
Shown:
3:14
